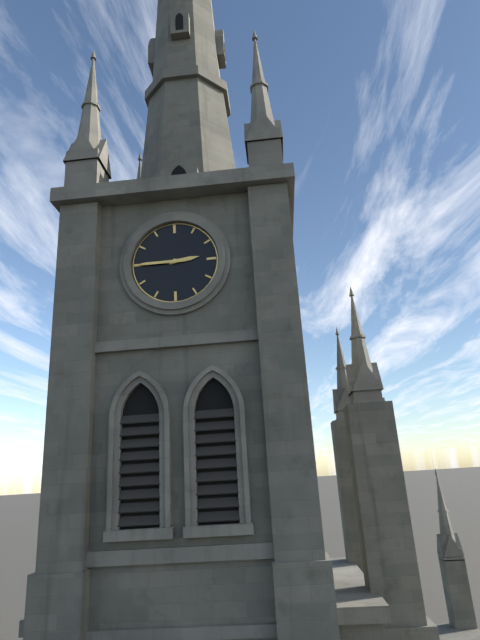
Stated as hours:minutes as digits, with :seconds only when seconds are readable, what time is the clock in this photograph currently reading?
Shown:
2:45
